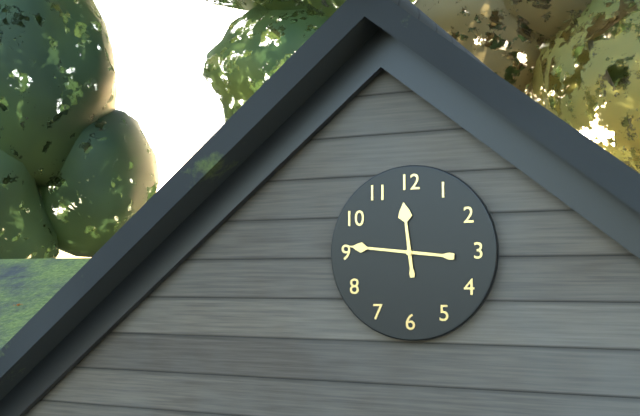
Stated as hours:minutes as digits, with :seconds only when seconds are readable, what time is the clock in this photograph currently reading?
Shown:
11:46
